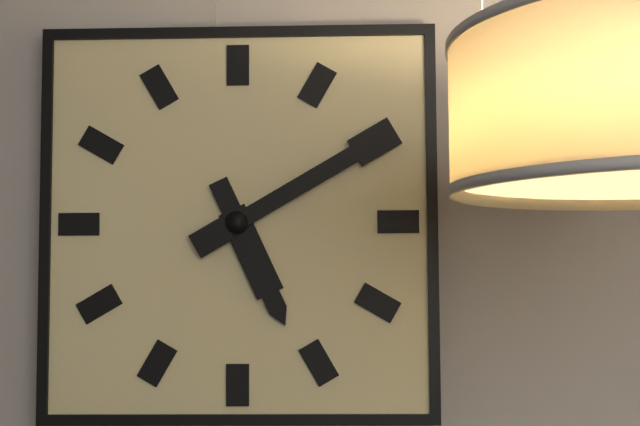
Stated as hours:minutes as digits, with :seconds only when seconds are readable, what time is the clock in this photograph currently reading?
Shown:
5:10
